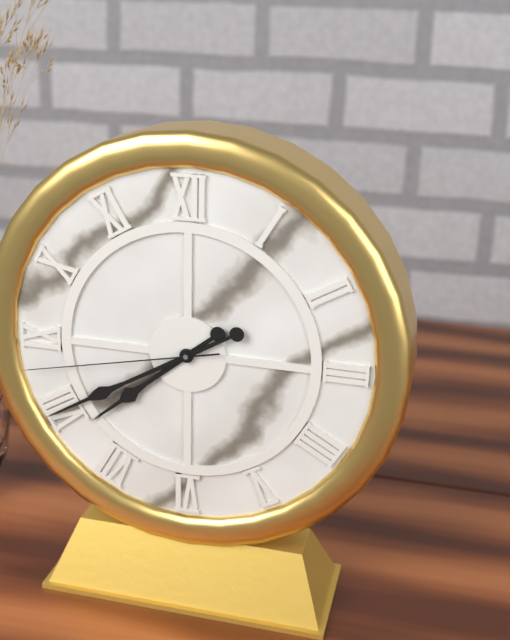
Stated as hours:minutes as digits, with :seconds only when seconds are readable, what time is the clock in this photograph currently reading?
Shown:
7:40:43
